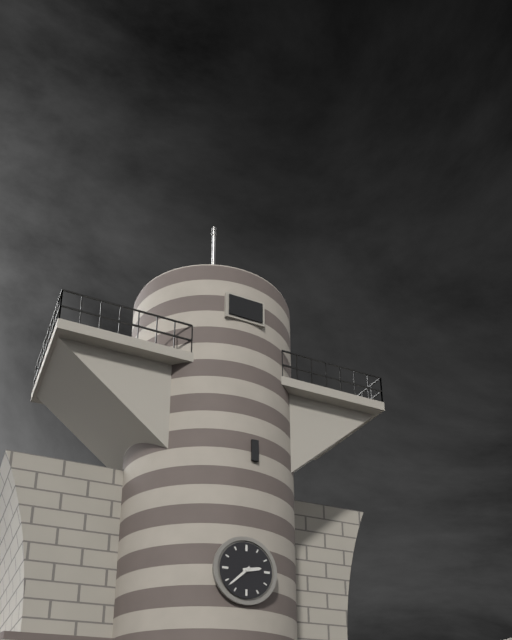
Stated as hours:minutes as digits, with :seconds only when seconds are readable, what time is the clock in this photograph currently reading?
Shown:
2:38
